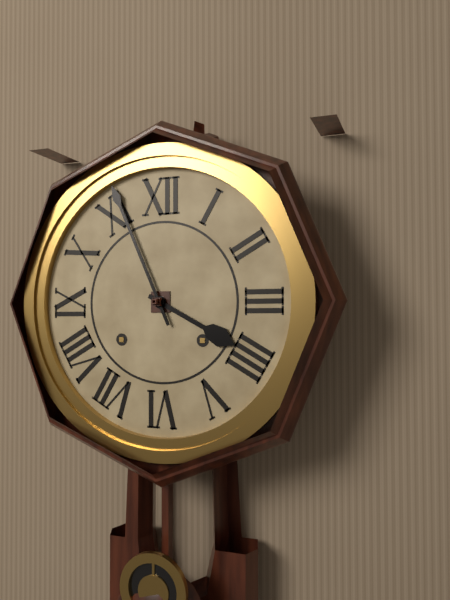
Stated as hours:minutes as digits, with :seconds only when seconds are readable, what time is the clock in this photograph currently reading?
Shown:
3:56
